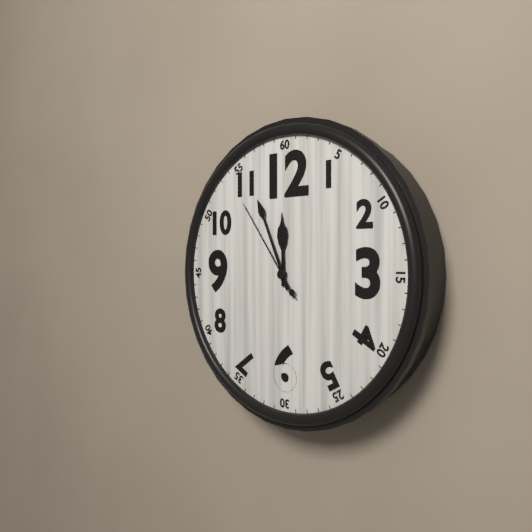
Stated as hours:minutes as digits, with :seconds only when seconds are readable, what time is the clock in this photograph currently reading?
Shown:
11:56:54
